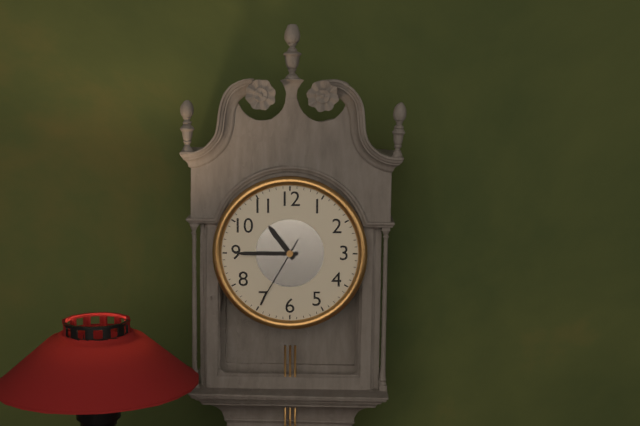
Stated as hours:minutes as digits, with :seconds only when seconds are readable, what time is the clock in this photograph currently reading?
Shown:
10:45:35
